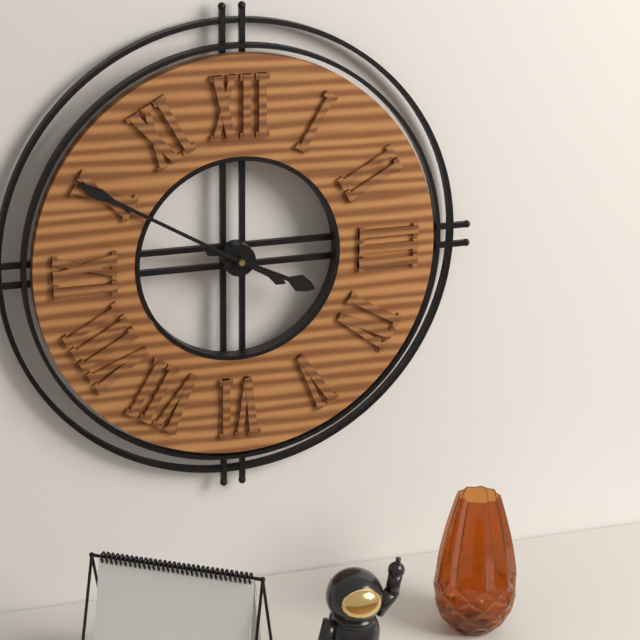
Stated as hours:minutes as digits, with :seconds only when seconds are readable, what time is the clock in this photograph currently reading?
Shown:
3:50
